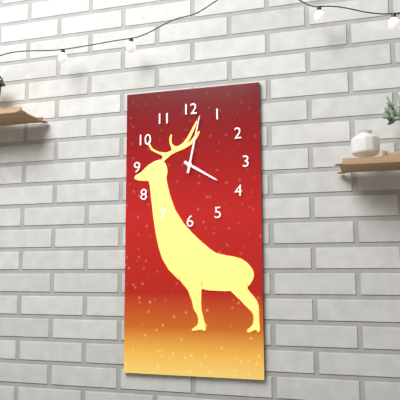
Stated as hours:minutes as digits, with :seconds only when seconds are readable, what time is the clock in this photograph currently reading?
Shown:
4:02
